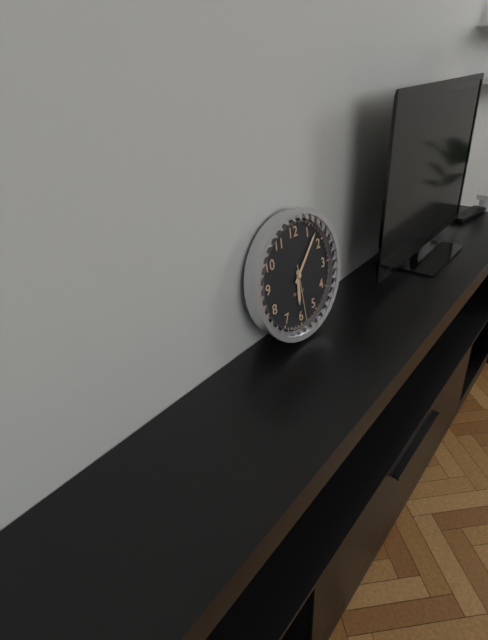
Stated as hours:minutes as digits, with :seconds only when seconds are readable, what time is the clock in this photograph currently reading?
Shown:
6:07:29
